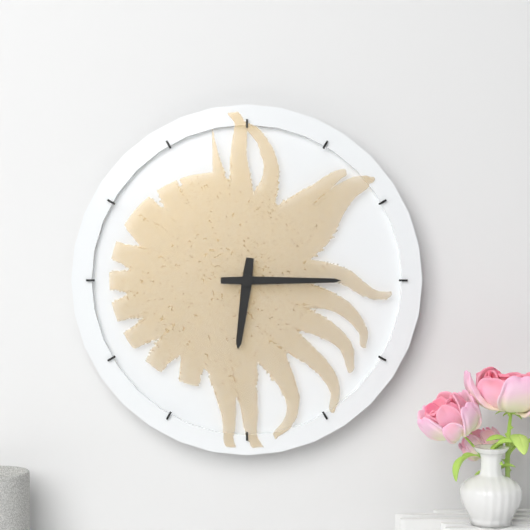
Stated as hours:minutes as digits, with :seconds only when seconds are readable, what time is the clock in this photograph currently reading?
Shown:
6:15
